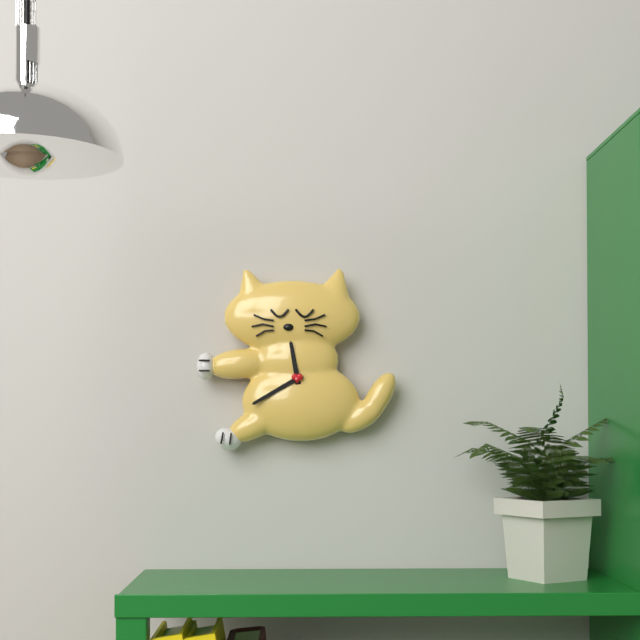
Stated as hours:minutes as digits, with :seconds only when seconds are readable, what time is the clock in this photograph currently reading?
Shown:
11:40
